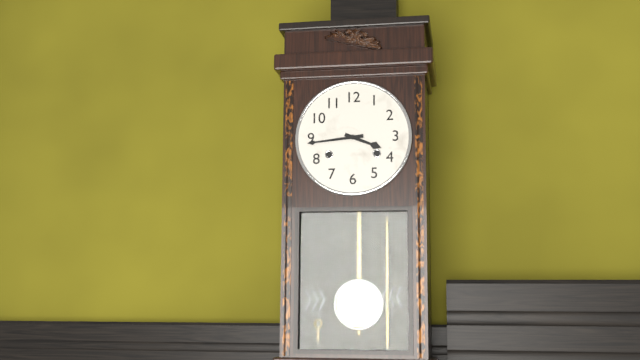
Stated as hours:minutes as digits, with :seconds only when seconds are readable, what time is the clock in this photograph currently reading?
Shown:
3:44
